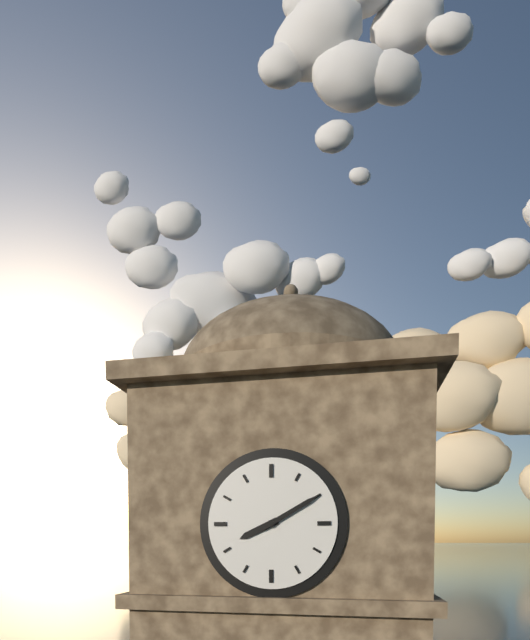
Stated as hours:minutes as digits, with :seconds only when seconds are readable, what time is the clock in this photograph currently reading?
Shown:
8:10
